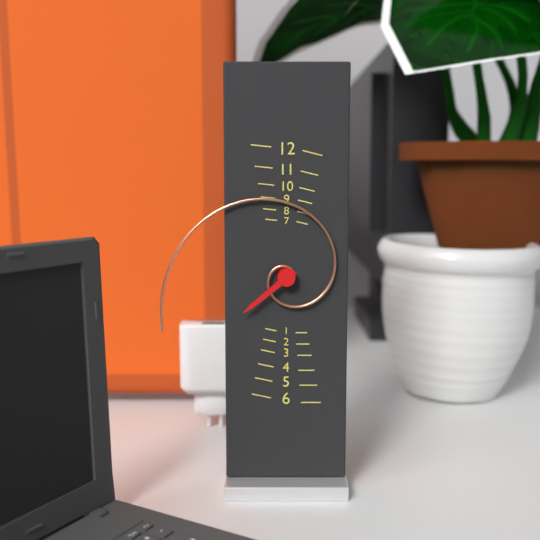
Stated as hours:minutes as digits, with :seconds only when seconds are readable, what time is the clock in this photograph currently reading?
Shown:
7:41
